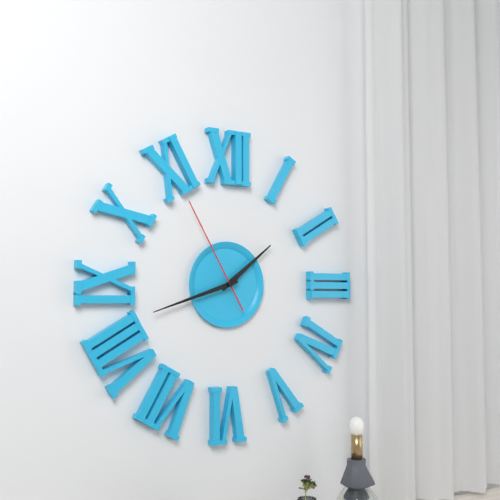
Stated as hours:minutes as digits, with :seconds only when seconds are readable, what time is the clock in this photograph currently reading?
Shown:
1:42:55
